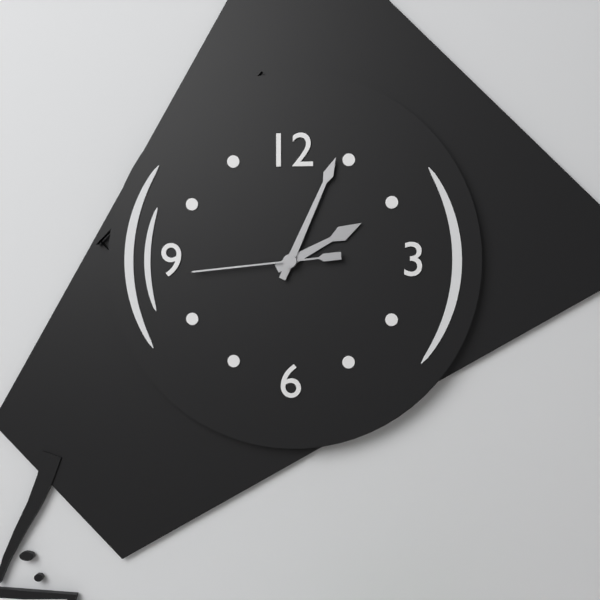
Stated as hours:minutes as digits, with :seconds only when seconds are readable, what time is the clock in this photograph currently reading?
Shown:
2:04:44
